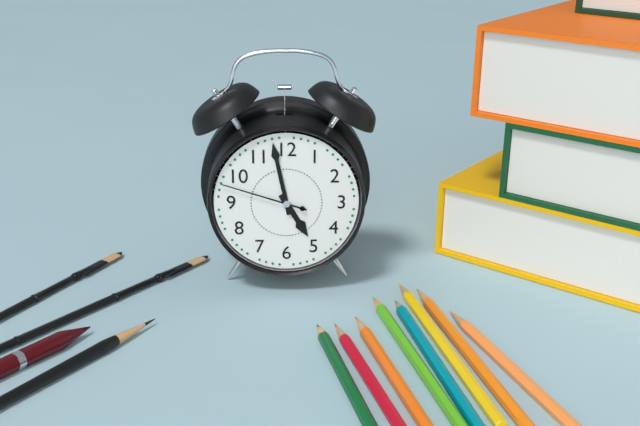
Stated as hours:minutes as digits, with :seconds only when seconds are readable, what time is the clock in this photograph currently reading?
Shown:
4:58:48
